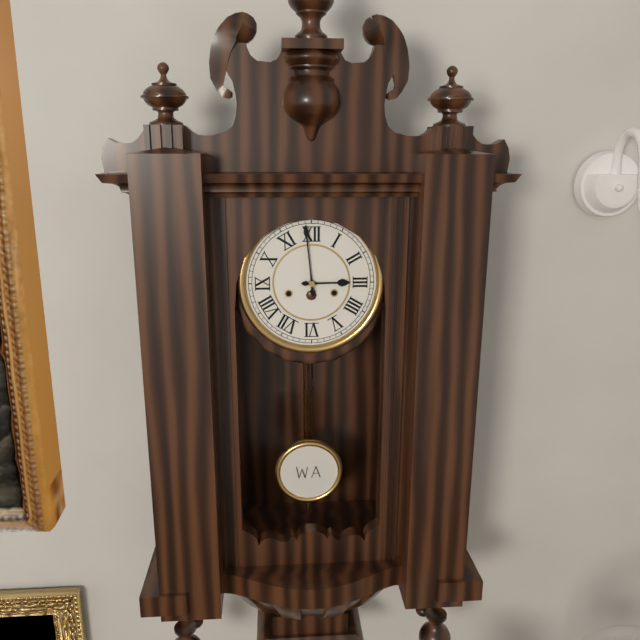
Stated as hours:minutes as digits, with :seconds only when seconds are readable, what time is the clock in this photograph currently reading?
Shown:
2:59
